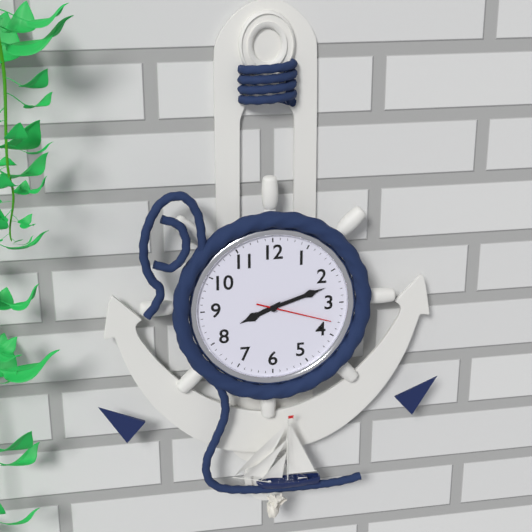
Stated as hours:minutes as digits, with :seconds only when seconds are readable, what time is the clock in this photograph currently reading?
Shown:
8:12:18
